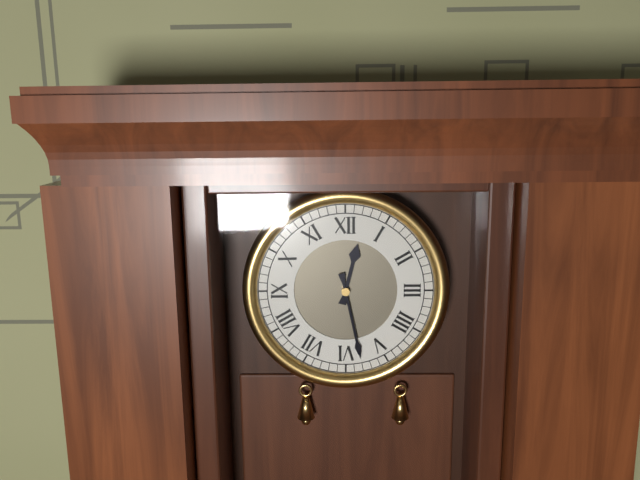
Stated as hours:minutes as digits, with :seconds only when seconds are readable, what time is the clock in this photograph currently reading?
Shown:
12:28
